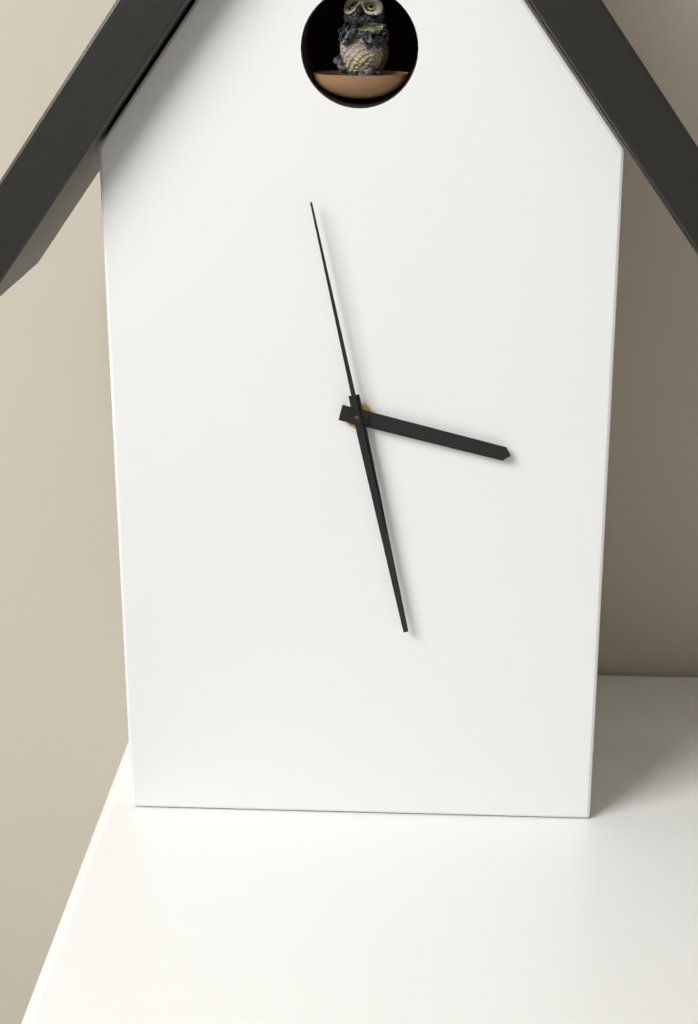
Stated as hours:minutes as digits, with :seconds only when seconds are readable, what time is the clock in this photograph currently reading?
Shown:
3:28:58
